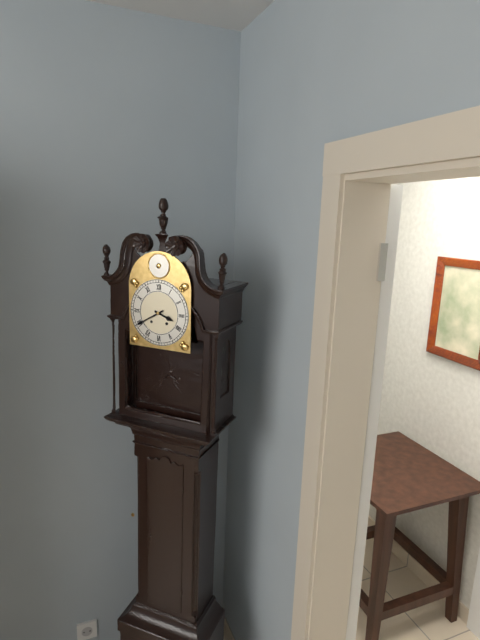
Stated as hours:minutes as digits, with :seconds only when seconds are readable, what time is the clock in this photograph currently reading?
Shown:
3:40
